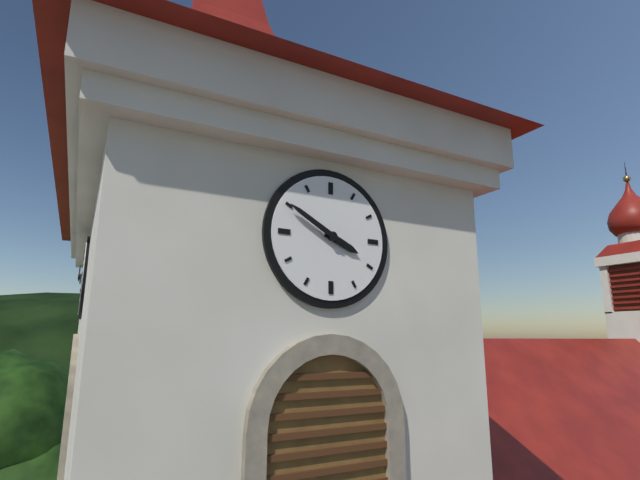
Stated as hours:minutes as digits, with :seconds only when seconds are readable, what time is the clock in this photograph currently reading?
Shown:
3:50
